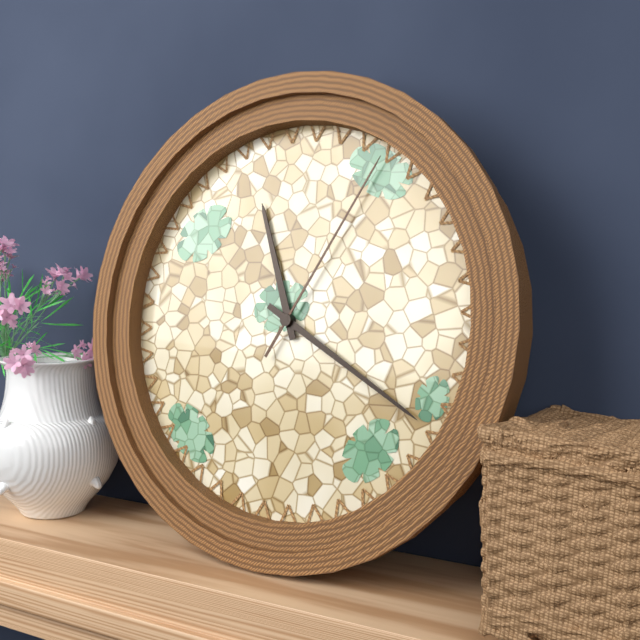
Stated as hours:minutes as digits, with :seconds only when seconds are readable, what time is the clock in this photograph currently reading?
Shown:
11:20:05
